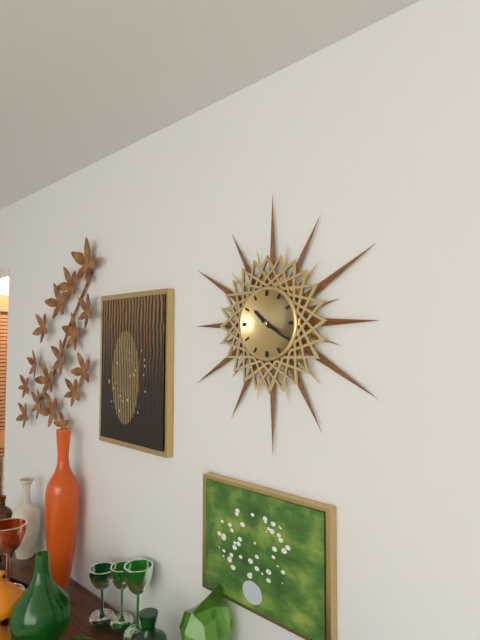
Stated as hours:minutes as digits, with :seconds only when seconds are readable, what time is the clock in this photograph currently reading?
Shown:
10:20
